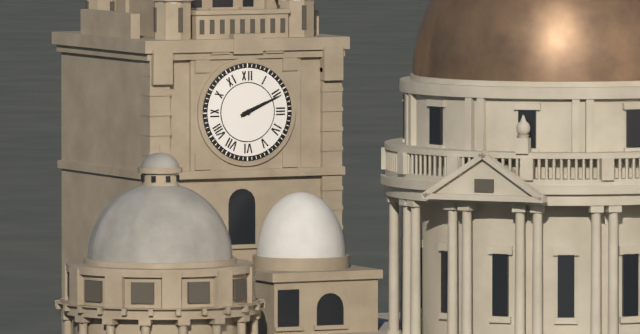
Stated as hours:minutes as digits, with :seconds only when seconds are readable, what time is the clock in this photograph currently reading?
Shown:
2:11
